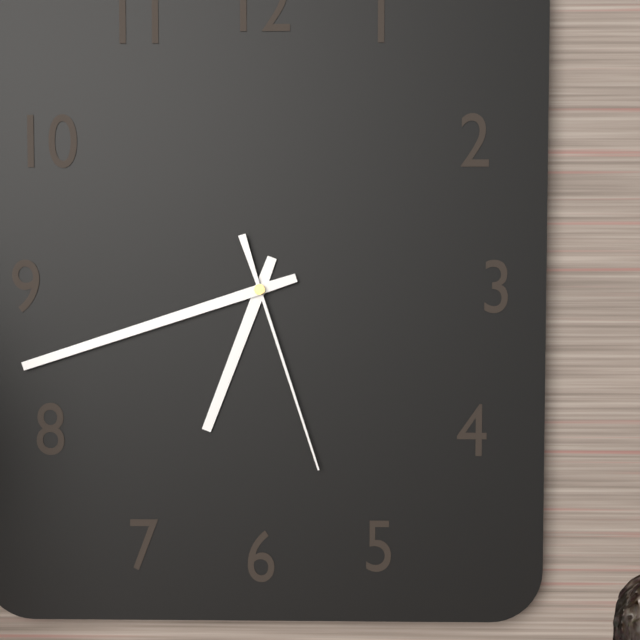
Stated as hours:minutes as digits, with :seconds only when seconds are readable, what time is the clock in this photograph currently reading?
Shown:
6:42:27
